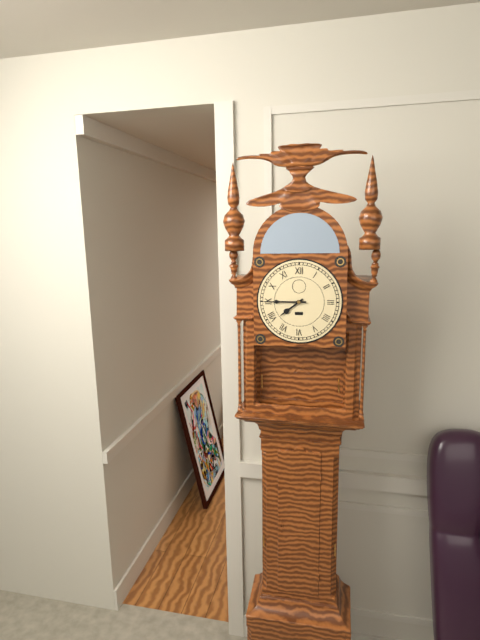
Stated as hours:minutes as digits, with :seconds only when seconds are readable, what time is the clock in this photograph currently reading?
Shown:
7:45
